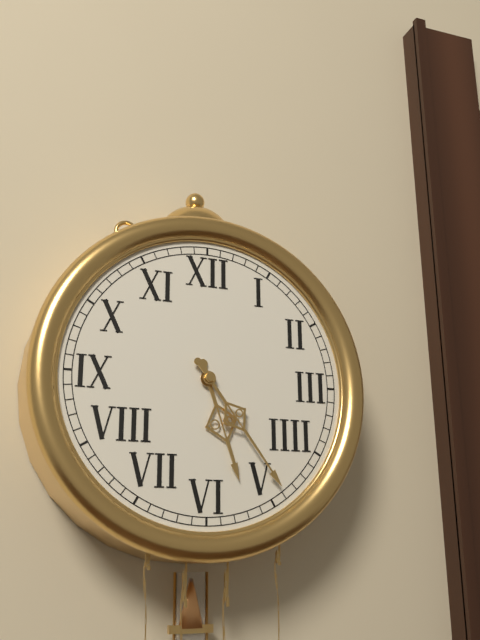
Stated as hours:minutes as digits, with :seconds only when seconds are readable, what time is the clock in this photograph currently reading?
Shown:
5:24
